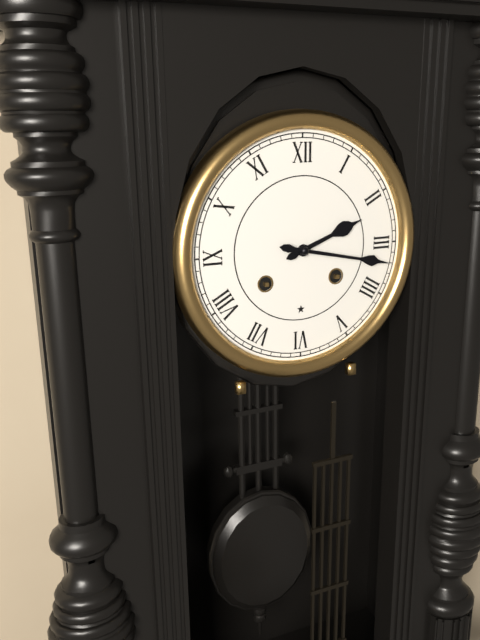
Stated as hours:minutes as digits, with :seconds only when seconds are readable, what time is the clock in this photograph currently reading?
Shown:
2:17
